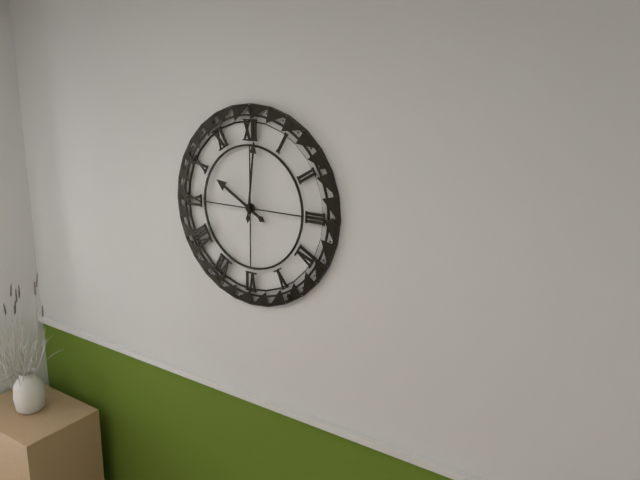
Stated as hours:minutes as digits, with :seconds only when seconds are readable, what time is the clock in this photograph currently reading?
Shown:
10:01
